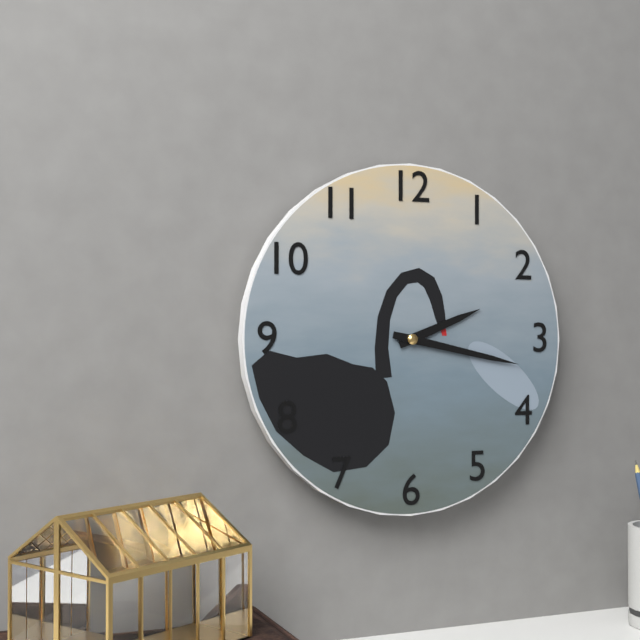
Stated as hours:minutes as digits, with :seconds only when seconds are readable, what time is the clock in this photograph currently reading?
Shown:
2:17
